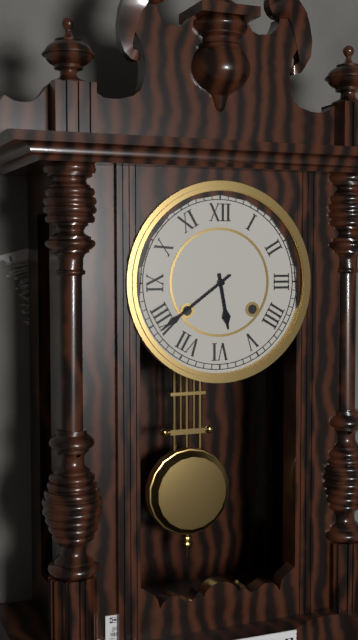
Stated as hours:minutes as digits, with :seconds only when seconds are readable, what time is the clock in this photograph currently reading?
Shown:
5:39
